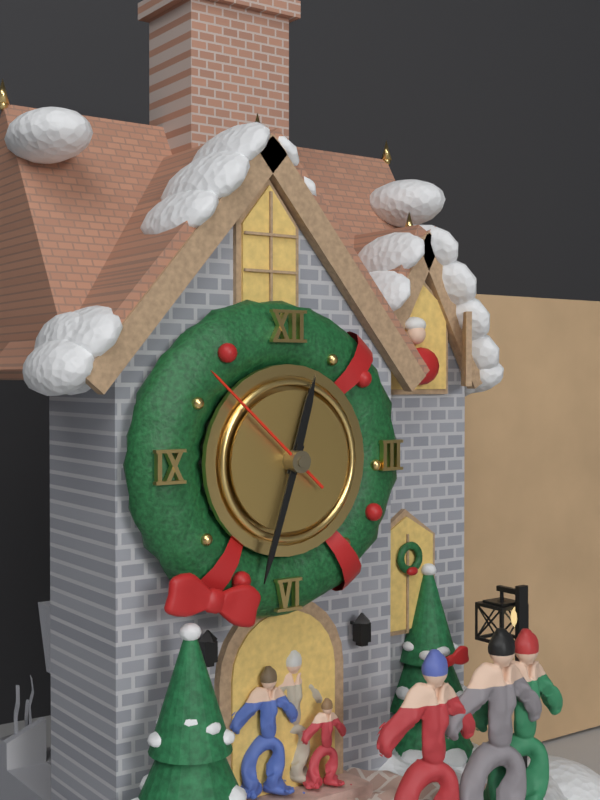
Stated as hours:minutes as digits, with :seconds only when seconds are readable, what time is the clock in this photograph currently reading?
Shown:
12:33:52
